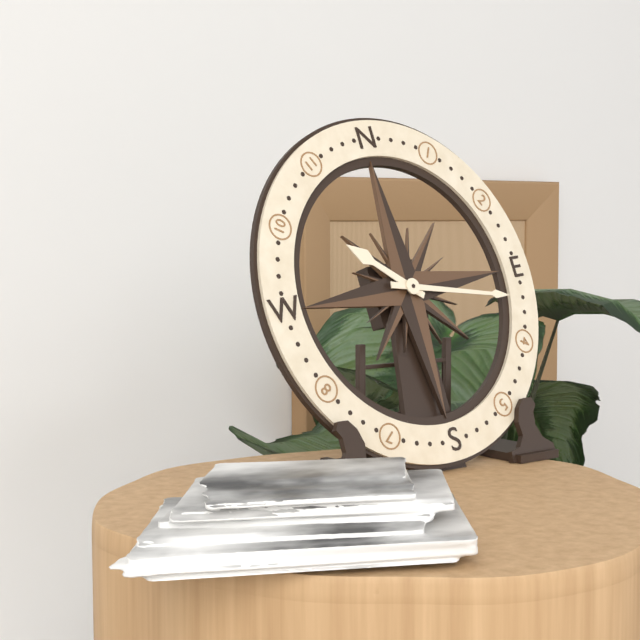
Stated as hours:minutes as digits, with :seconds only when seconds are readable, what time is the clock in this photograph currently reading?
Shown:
10:17
